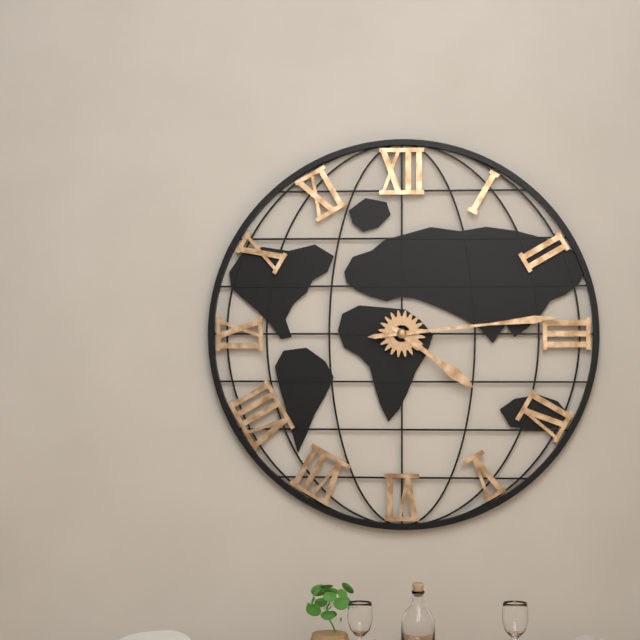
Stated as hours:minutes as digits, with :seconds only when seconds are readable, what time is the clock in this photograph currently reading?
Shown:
4:14
